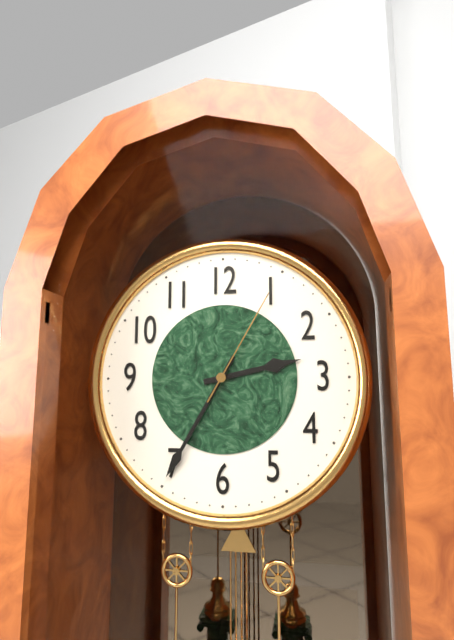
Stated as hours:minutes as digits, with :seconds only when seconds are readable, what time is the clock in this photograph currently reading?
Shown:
2:35:05
